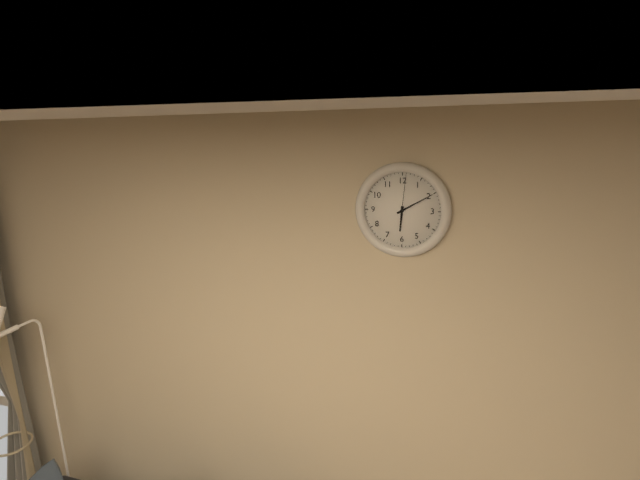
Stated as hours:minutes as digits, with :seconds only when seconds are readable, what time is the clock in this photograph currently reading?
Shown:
6:10
